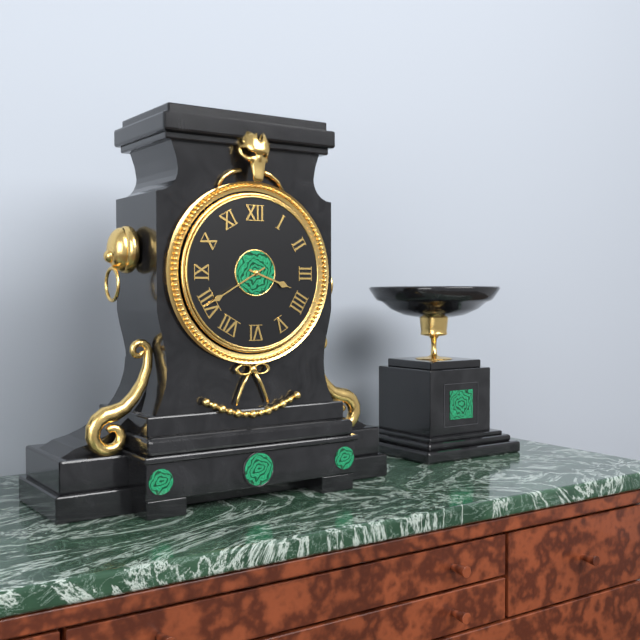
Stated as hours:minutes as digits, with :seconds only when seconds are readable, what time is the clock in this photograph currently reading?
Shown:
3:40
